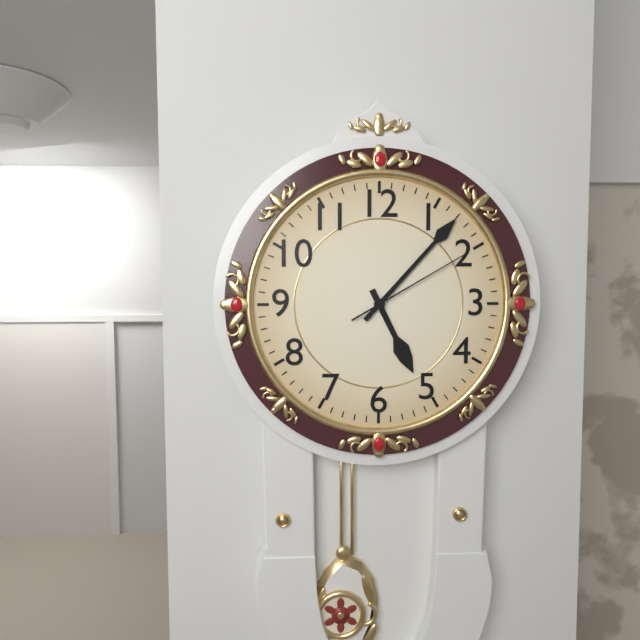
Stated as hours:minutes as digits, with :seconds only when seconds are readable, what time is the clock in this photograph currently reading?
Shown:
5:07:10
